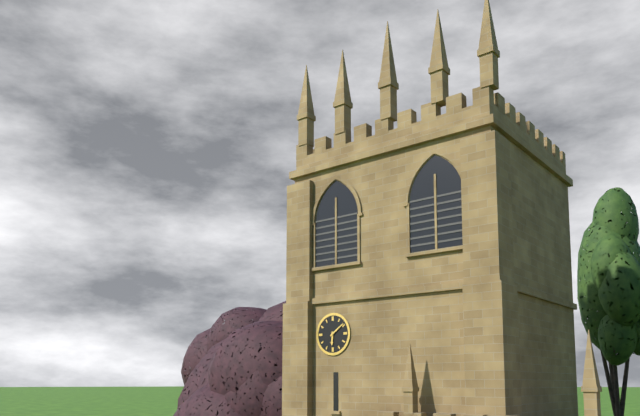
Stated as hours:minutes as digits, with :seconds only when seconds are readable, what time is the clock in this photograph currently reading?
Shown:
6:09
